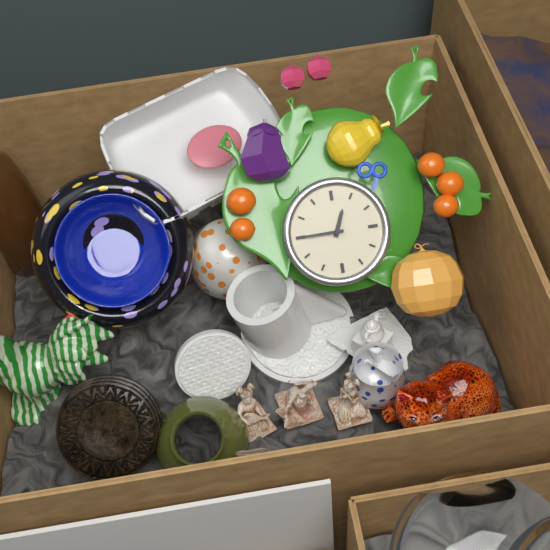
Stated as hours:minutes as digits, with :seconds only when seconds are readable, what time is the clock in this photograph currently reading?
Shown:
12:45
